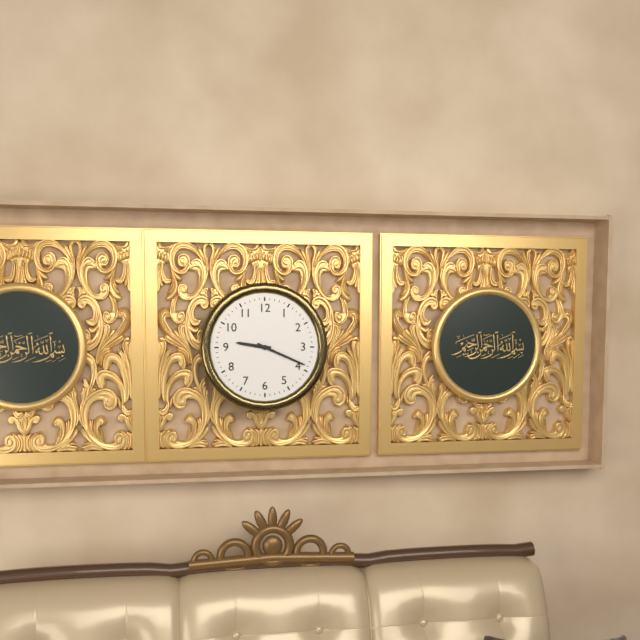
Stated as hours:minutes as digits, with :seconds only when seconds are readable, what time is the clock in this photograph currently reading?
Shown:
9:19
